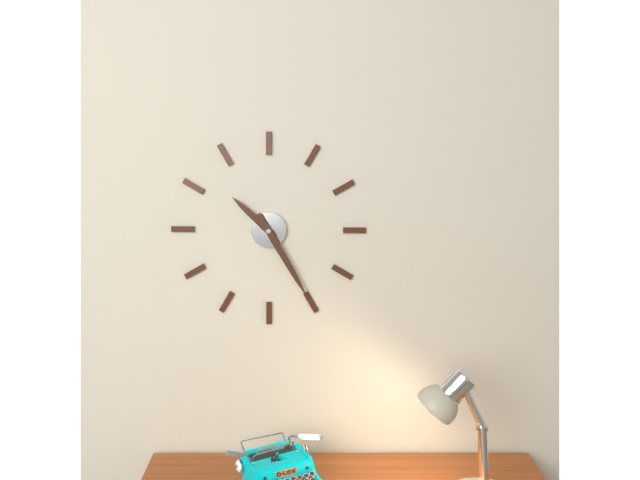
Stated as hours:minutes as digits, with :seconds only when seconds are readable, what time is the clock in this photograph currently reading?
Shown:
10:25
